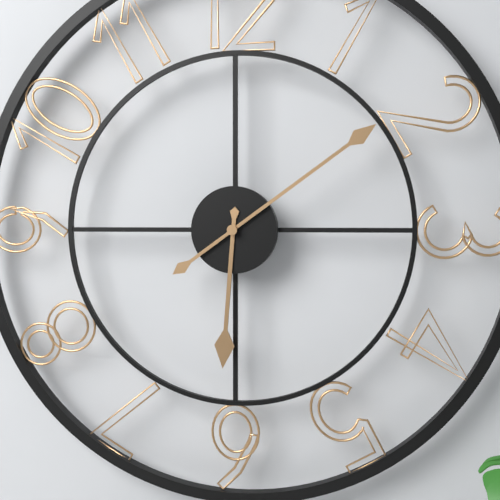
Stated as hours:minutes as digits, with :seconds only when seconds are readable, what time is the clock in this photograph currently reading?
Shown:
6:09
